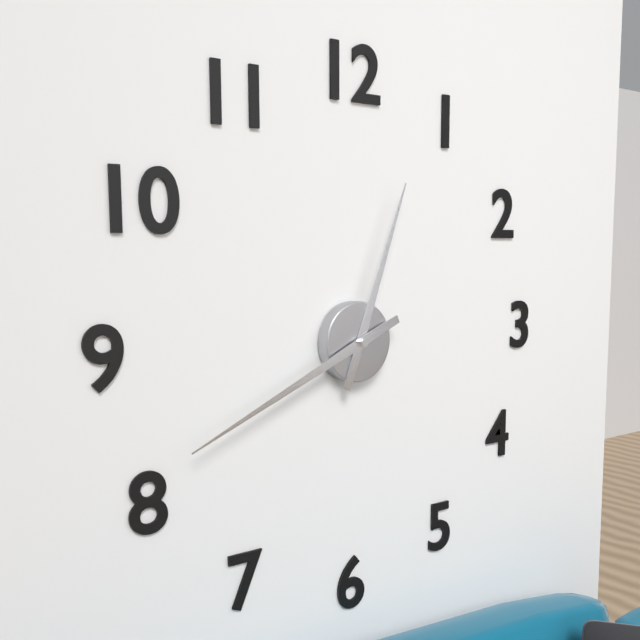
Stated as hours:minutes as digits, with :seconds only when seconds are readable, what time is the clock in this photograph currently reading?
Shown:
12:41
